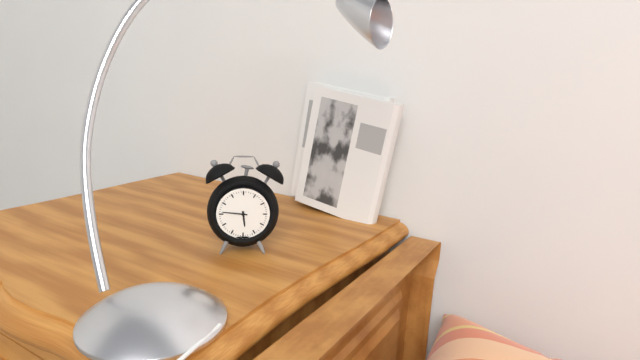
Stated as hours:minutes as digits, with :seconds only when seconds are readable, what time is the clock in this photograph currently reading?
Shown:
5:46
